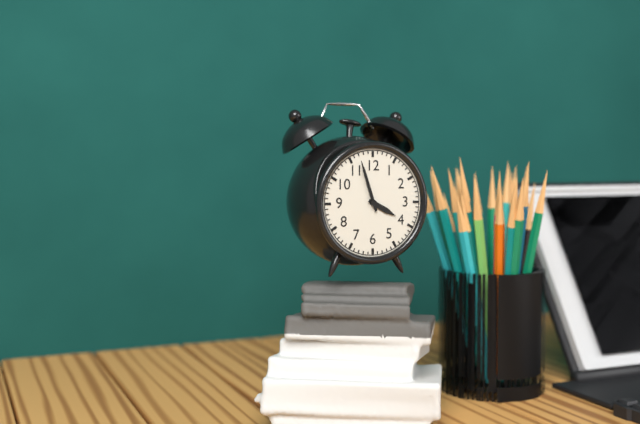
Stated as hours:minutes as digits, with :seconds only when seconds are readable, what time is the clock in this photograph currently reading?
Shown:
3:57
